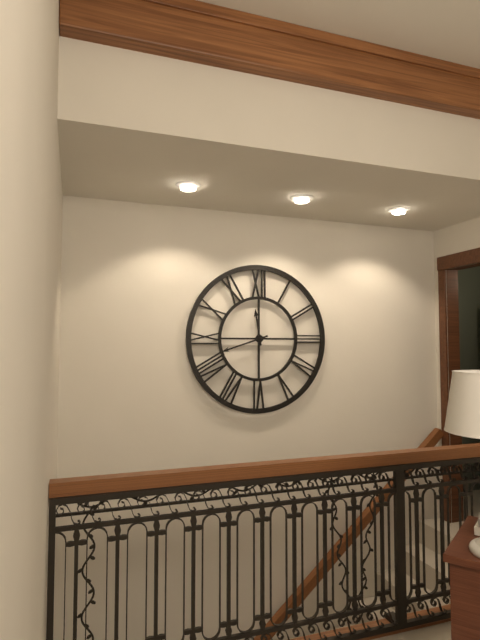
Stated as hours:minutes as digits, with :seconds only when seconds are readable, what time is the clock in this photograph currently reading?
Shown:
11:42
